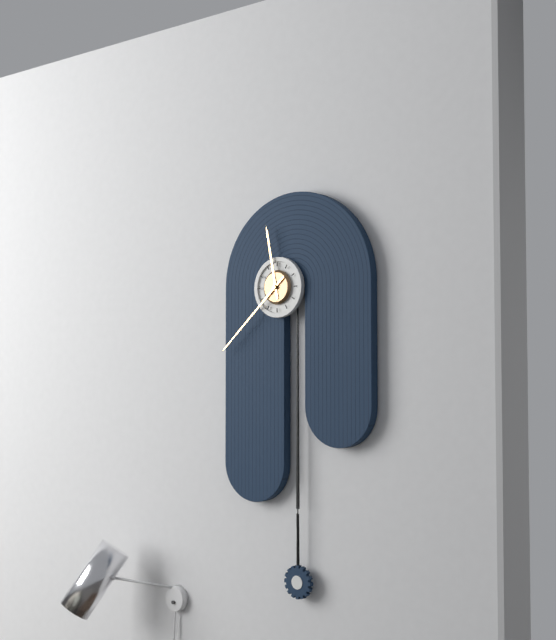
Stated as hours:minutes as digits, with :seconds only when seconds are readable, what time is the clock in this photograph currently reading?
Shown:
11:38
